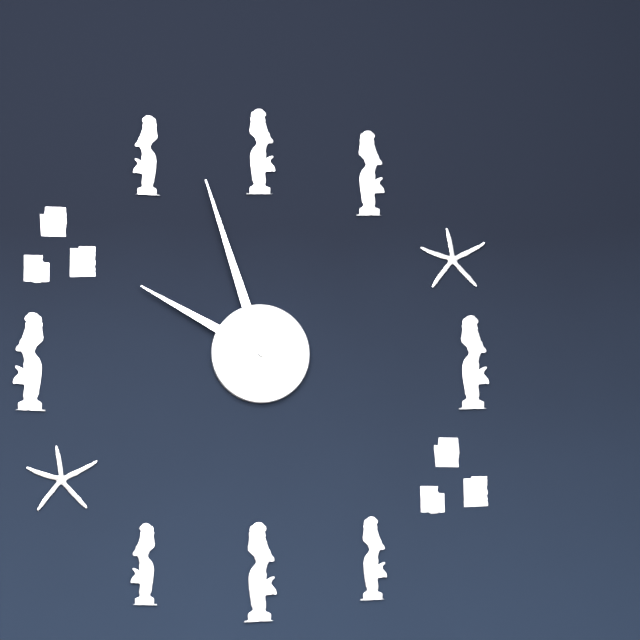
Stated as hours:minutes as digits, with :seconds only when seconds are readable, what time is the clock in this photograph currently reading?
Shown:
9:57
